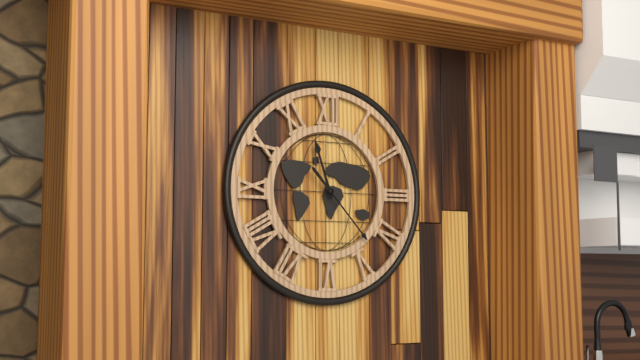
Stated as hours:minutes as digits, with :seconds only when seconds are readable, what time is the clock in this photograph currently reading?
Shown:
11:23
